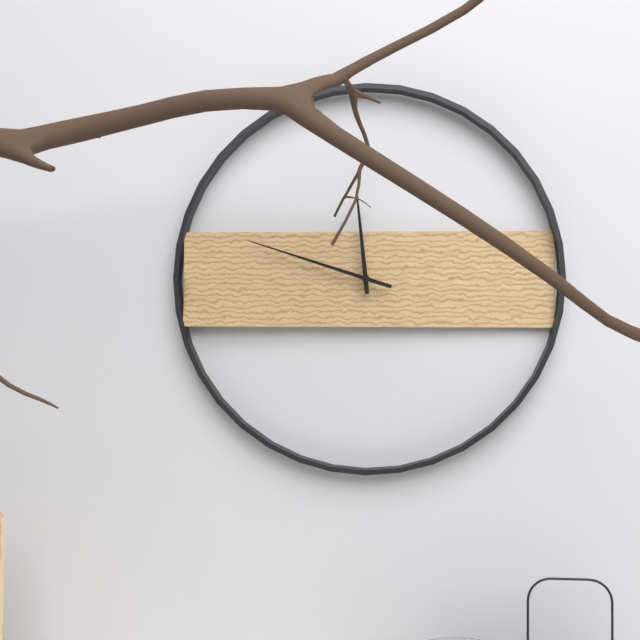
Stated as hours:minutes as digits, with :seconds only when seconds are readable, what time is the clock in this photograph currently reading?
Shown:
11:48
